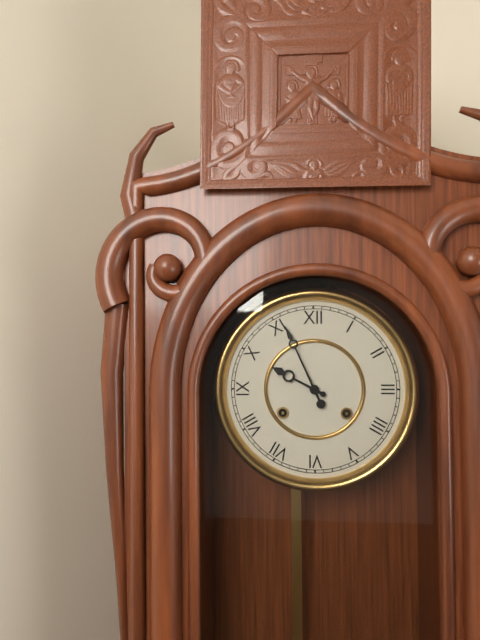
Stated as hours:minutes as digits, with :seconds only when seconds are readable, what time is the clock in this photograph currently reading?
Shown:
9:56
